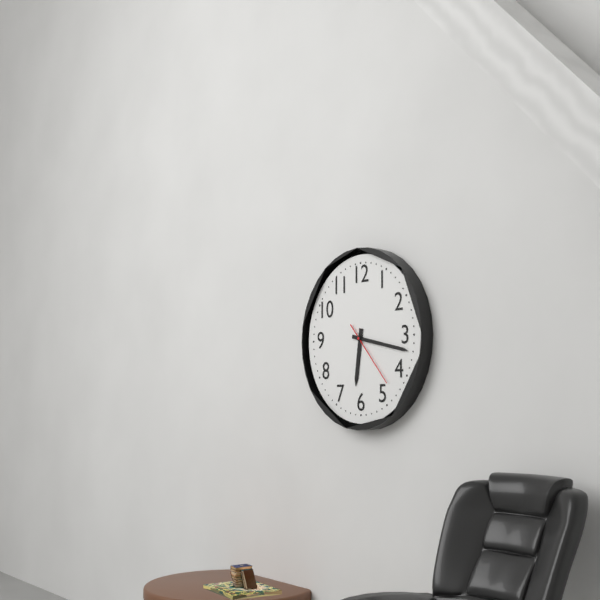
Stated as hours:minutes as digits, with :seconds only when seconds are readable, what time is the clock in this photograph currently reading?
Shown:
6:17:23
